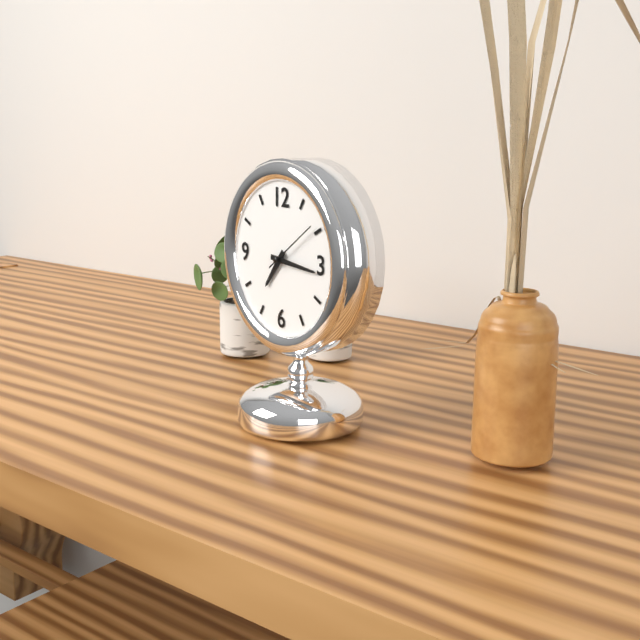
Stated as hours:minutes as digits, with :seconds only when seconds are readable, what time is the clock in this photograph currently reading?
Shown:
7:16:09
